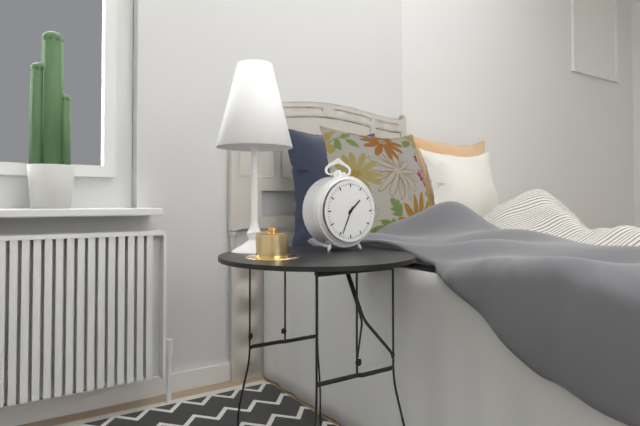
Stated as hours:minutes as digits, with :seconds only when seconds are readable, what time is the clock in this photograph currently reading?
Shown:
1:34
